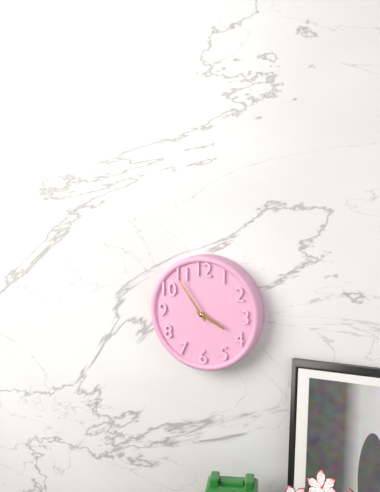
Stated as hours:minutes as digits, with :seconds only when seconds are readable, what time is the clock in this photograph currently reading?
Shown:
3:54
